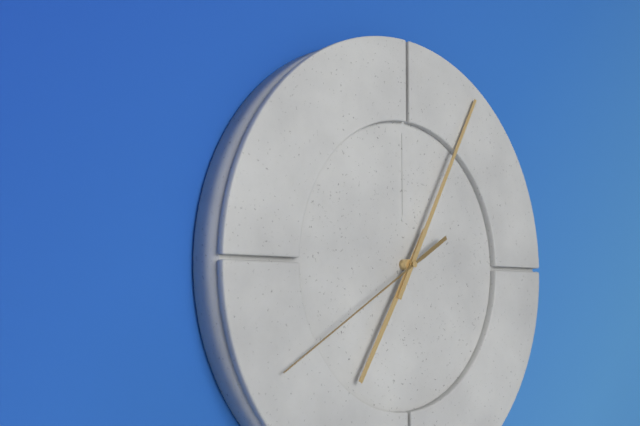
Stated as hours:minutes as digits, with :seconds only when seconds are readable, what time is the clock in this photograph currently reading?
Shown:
7:05:40
